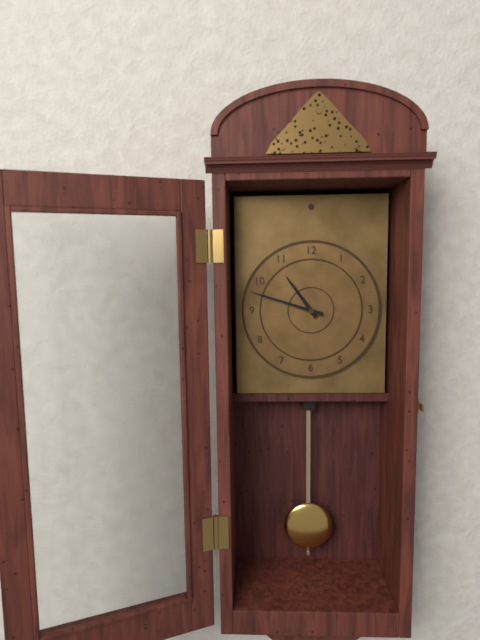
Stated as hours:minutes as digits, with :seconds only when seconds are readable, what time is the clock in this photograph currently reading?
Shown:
10:48
